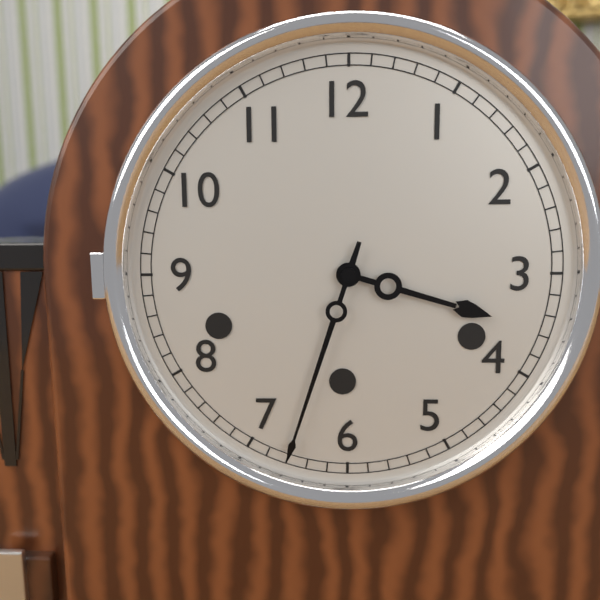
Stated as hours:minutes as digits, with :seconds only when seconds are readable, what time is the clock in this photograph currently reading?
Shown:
3:33
